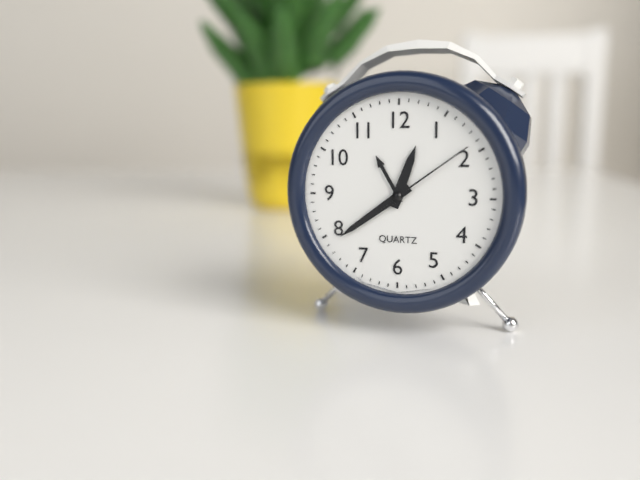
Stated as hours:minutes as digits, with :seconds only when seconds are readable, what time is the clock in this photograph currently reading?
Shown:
12:39:09
